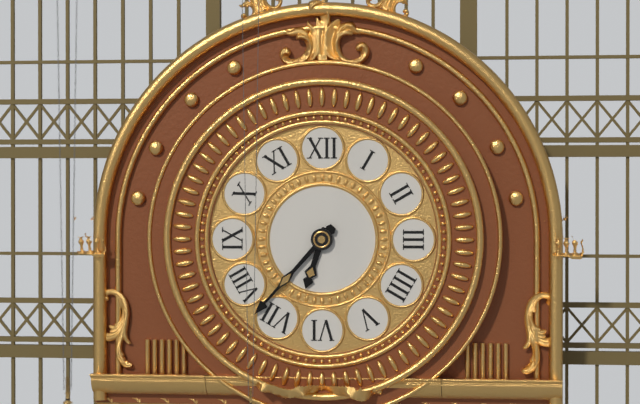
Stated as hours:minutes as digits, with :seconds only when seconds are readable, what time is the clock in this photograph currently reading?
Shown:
6:37
